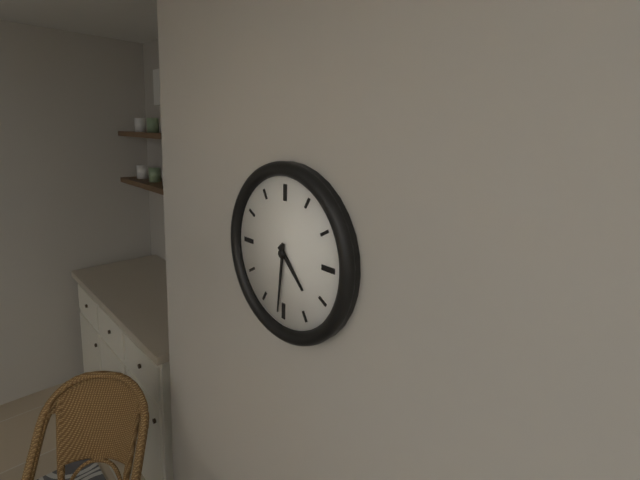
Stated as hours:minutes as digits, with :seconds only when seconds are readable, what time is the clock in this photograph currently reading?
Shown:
4:31
